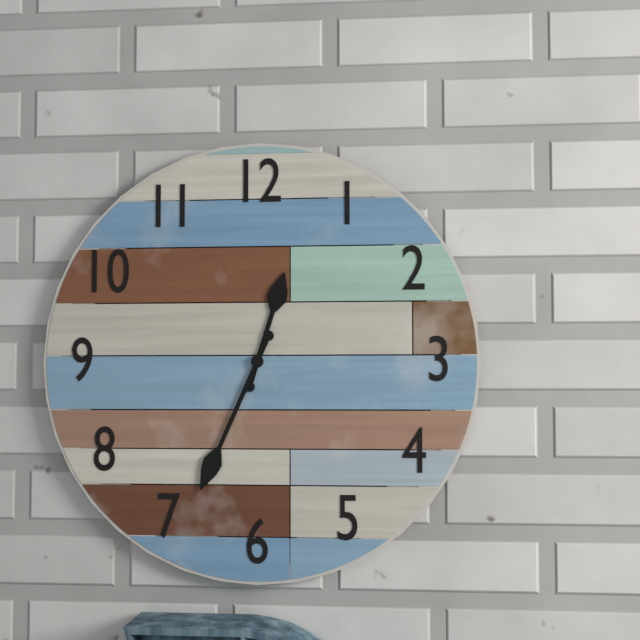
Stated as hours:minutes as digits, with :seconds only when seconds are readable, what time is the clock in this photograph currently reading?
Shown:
12:34
